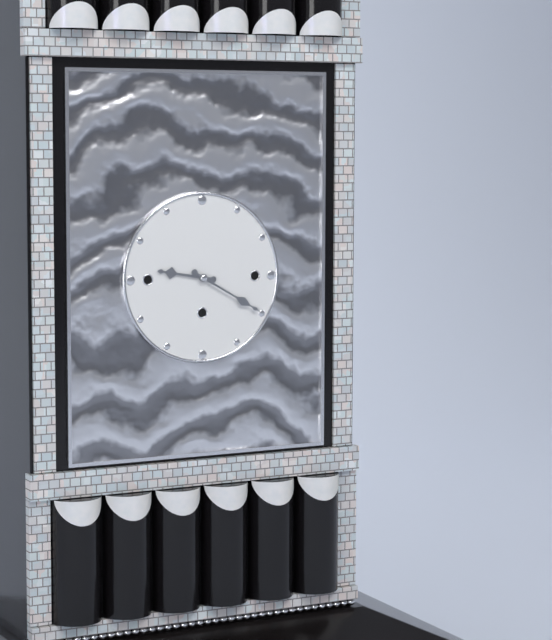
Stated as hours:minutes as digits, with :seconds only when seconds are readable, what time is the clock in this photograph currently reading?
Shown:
9:20
